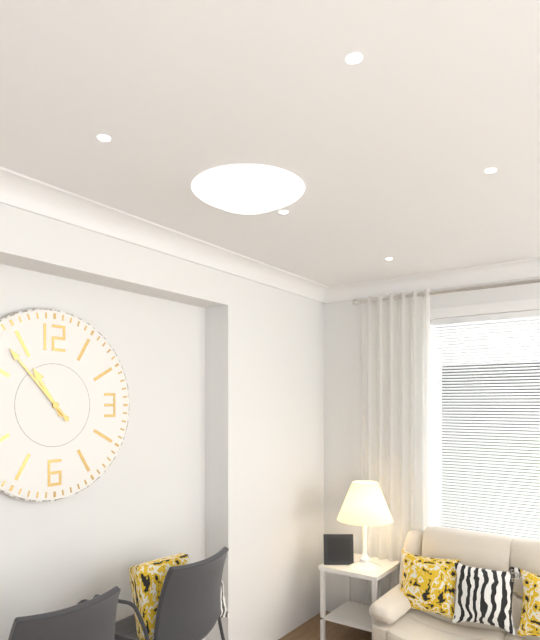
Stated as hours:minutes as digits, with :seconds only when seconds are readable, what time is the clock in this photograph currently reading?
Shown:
10:53
